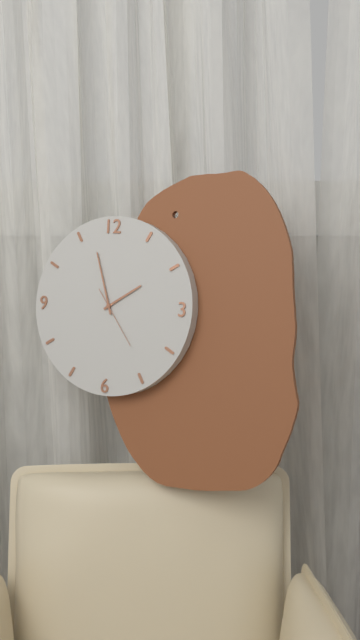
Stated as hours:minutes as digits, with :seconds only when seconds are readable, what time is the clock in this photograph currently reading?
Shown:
1:57:24
